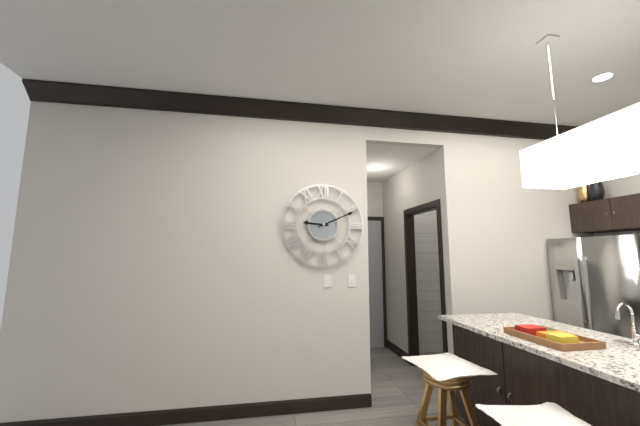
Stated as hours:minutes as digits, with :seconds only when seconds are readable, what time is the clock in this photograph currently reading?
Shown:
9:11
